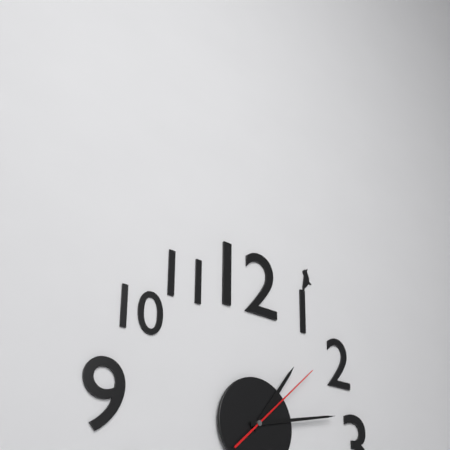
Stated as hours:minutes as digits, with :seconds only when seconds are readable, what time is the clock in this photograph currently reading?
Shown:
1:13:08
